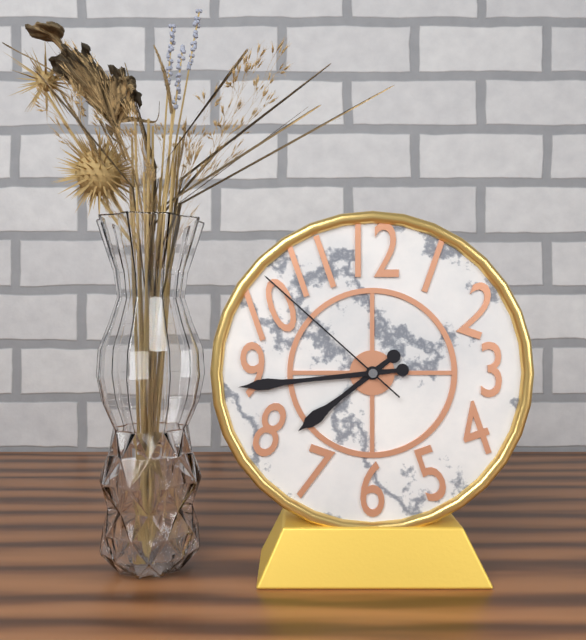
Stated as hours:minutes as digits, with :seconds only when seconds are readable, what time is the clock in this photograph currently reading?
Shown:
7:44:52
